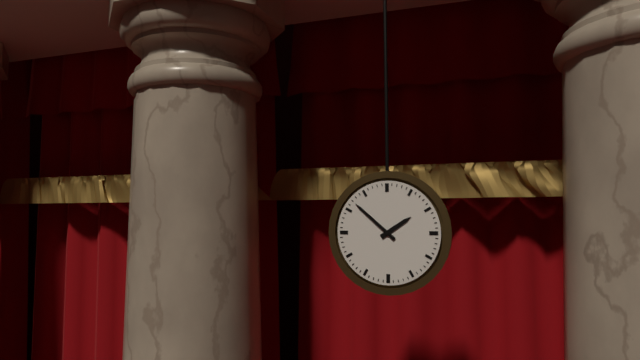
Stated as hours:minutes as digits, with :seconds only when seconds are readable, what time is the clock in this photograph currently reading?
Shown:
1:52
